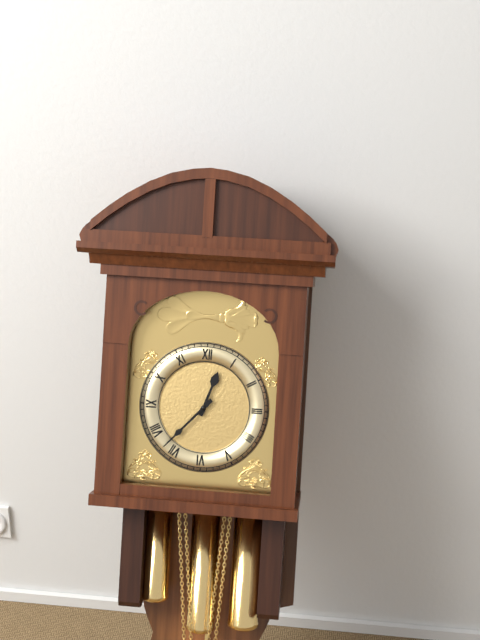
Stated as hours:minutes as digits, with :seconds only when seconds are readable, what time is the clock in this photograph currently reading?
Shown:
12:37
